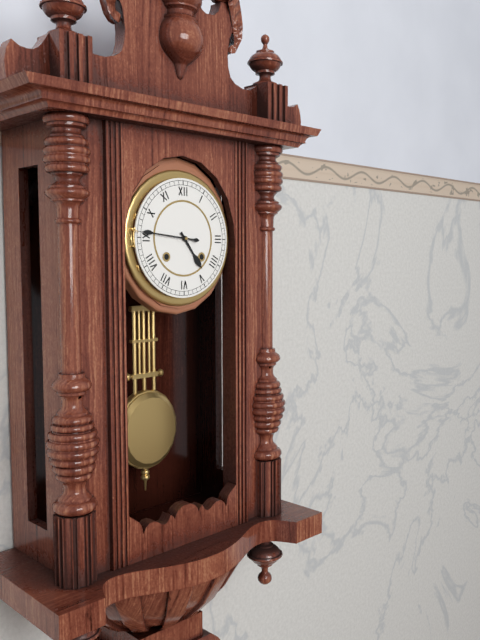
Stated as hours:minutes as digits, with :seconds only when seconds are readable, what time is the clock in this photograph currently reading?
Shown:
4:46
